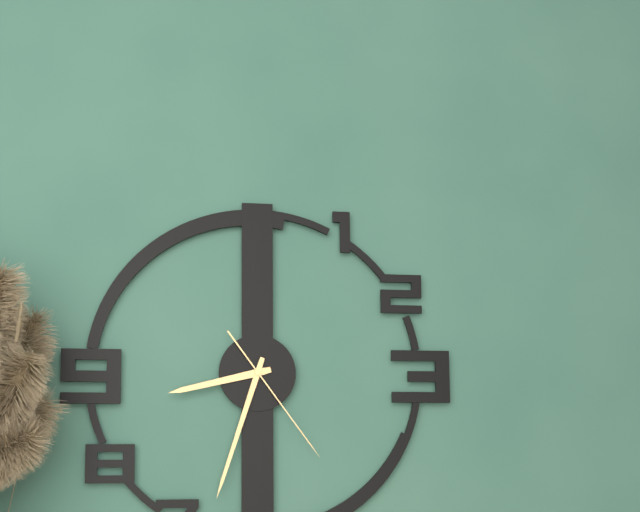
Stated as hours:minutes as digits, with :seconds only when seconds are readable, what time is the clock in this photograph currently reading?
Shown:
8:33:24
